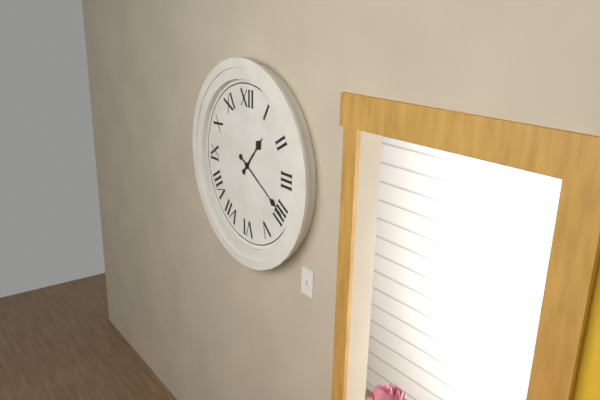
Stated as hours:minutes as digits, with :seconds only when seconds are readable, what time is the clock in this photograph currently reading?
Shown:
1:20
